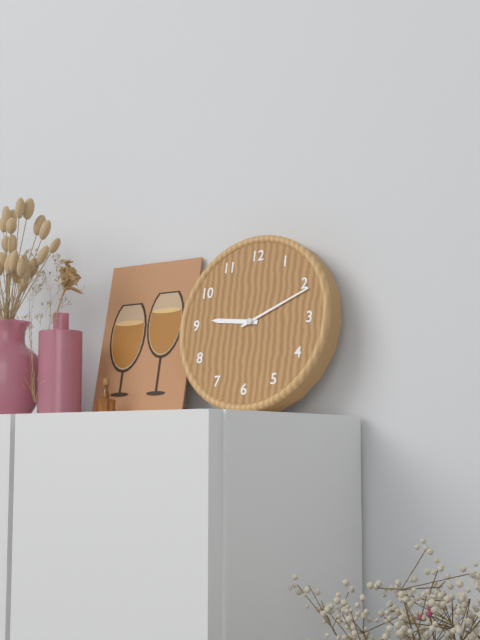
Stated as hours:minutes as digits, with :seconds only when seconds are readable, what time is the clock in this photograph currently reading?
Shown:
9:11
